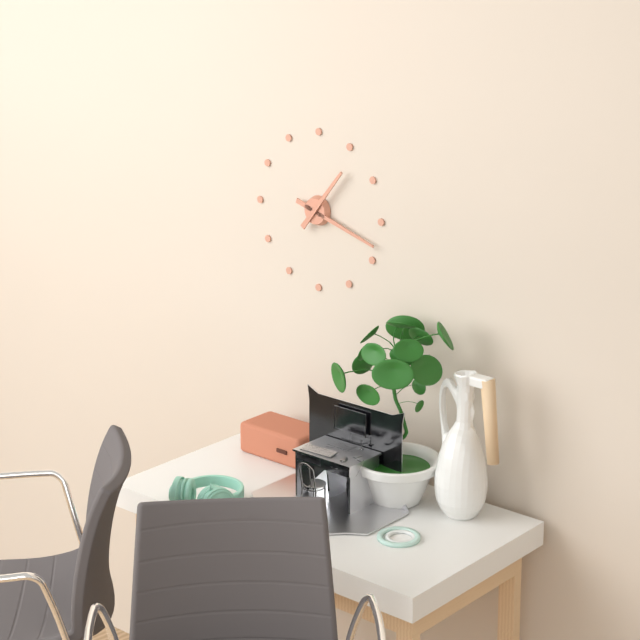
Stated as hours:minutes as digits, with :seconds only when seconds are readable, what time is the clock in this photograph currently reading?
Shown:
1:18
